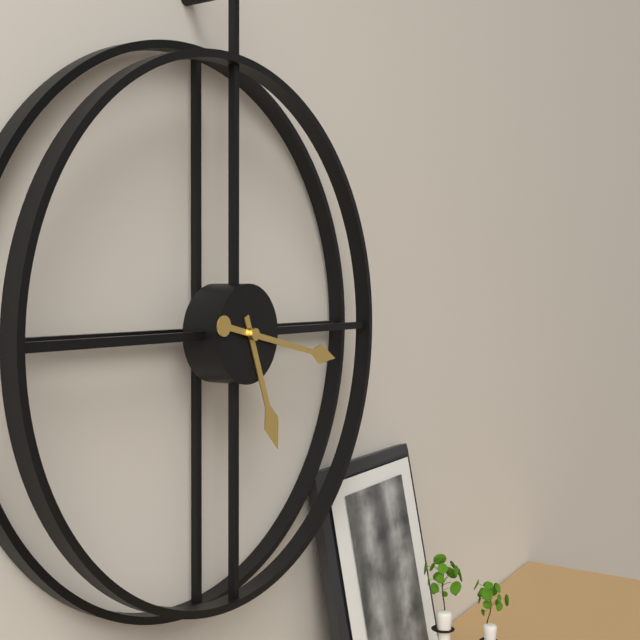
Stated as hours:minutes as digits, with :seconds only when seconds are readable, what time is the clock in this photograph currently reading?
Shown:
5:17
